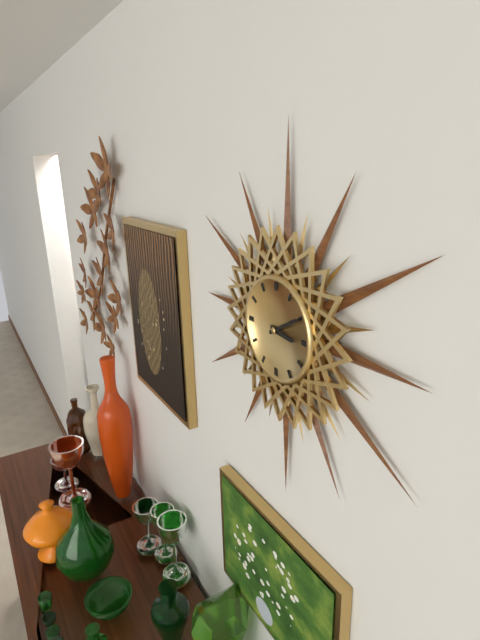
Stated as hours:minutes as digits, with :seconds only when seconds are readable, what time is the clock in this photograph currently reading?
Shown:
3:10
